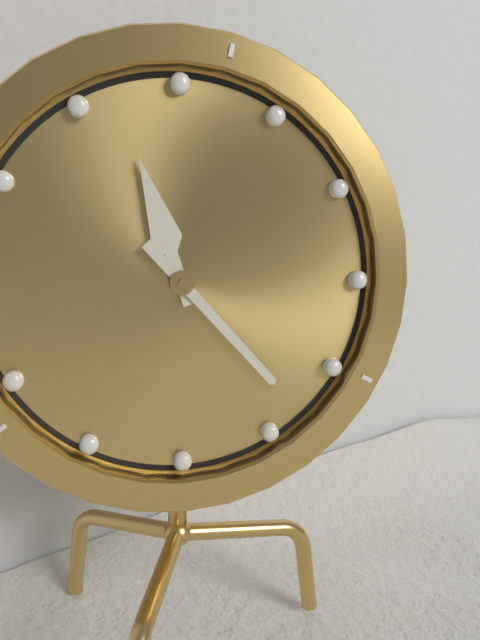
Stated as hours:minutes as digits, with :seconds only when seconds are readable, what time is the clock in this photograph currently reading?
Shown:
11:23
